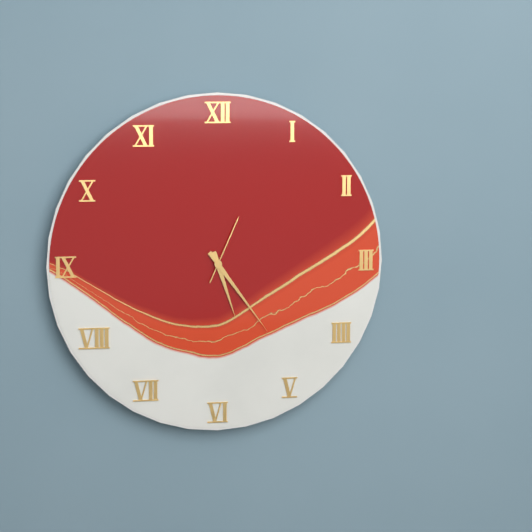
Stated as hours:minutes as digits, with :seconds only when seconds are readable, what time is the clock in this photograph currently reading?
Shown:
5:24:04
